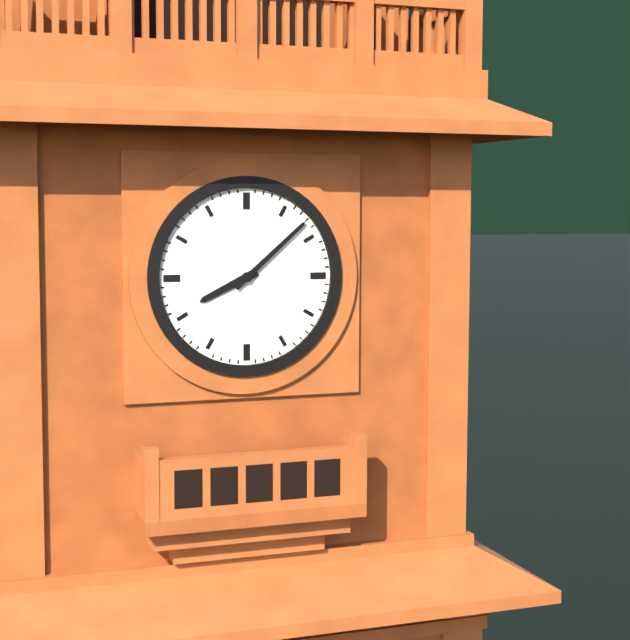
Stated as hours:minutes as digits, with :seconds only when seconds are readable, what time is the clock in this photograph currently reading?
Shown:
8:08
